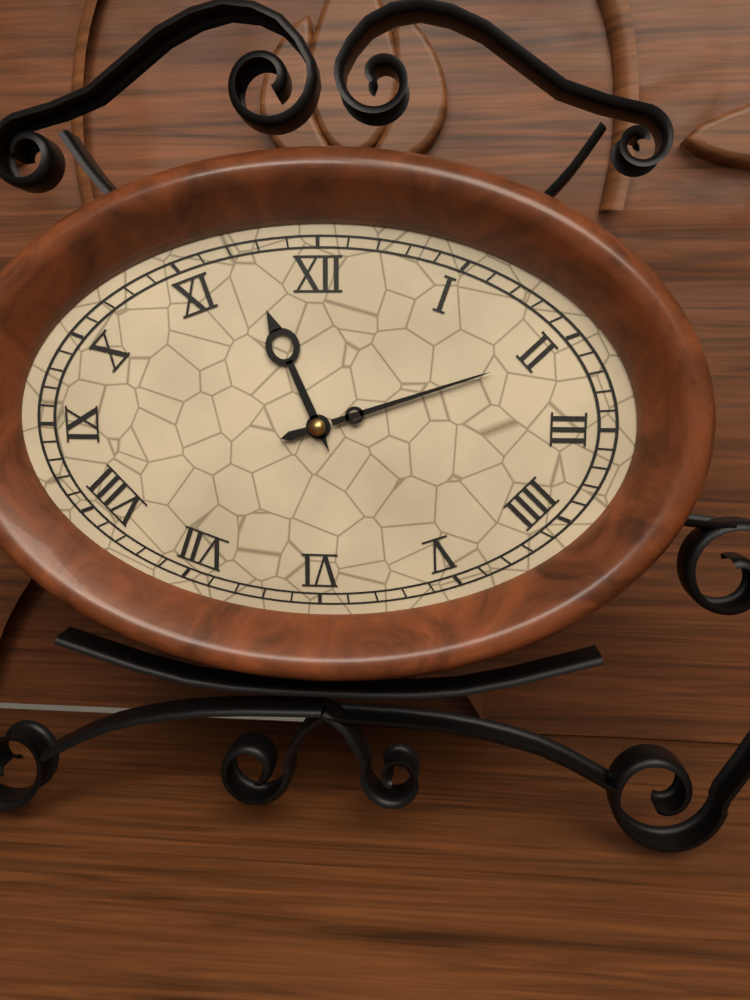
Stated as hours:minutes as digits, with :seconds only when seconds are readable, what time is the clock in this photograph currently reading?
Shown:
11:12
